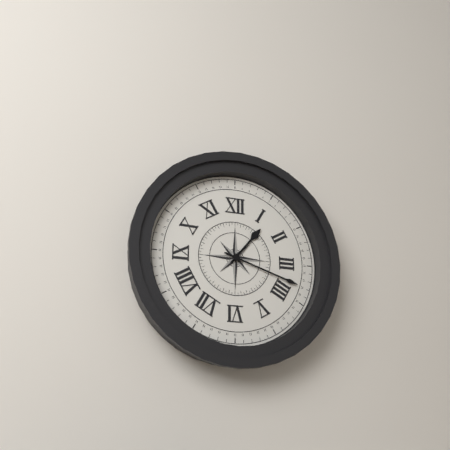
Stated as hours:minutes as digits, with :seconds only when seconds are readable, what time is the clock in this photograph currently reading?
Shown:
1:18
